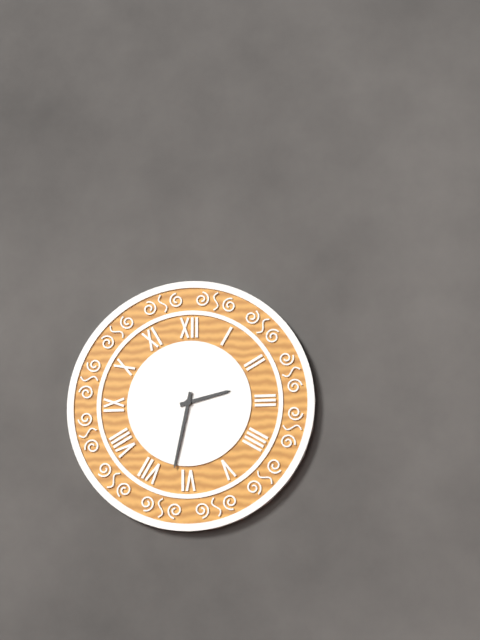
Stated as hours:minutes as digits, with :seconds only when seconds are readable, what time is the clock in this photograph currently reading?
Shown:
2:32
